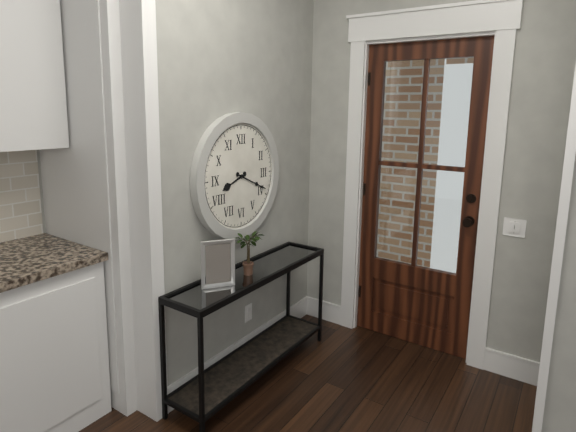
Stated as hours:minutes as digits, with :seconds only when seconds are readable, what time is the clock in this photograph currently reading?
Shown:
8:19
